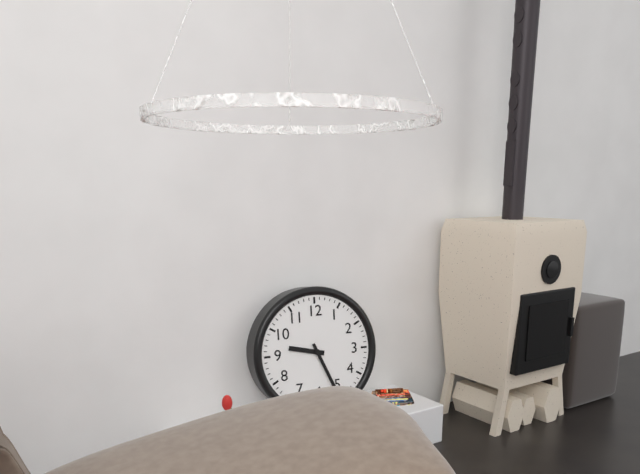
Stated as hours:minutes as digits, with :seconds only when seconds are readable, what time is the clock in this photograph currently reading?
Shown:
9:26
